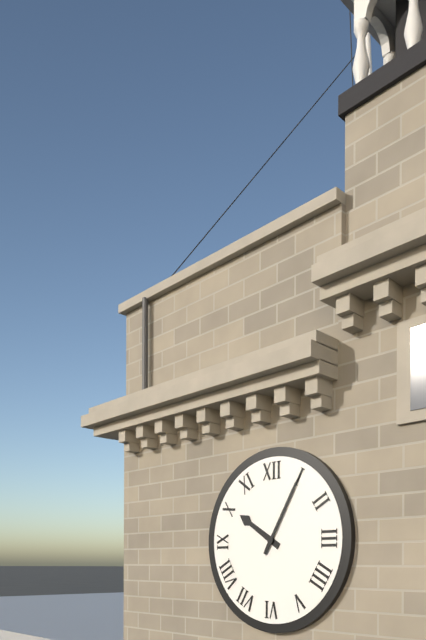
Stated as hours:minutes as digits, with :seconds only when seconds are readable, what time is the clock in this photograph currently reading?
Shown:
10:05
